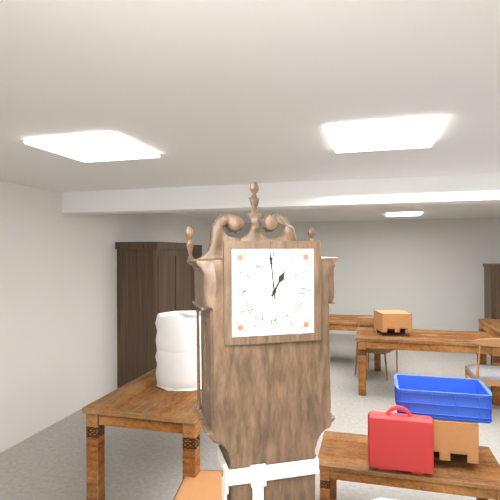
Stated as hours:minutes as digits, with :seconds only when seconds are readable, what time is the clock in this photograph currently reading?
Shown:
12:59
